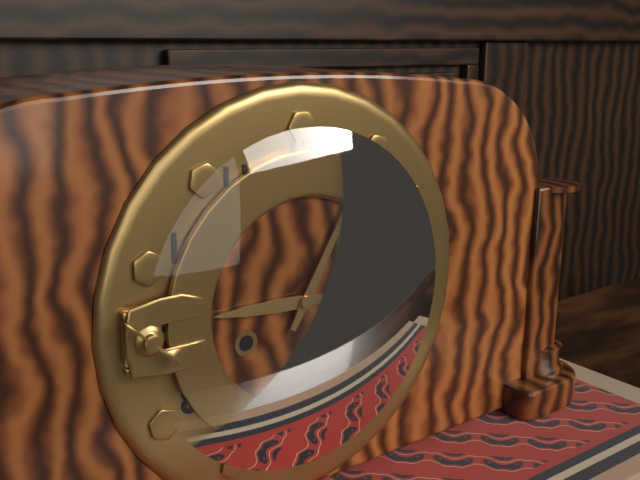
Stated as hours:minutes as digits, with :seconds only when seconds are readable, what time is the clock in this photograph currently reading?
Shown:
9:05
